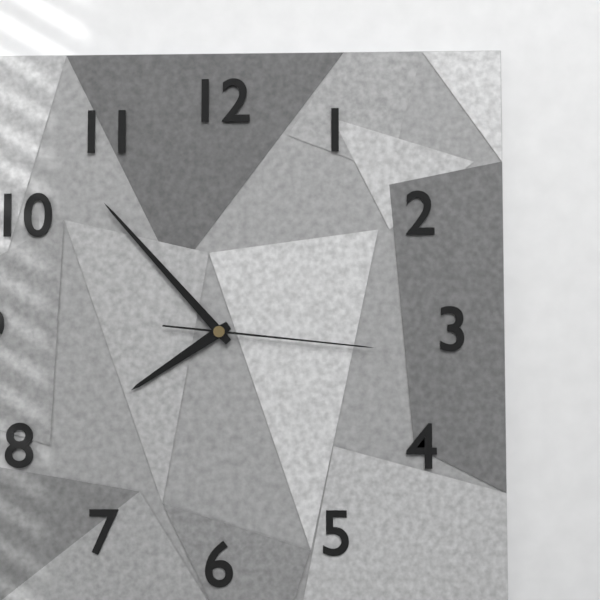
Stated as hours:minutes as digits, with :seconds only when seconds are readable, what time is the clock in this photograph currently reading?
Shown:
7:53:16
